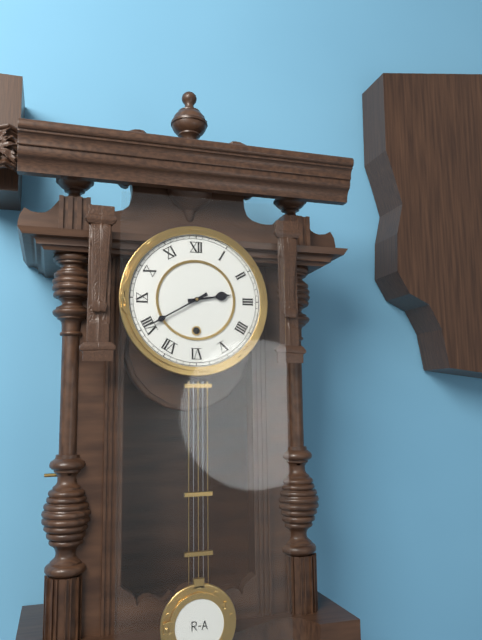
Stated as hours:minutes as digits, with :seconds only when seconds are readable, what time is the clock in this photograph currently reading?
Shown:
2:40
